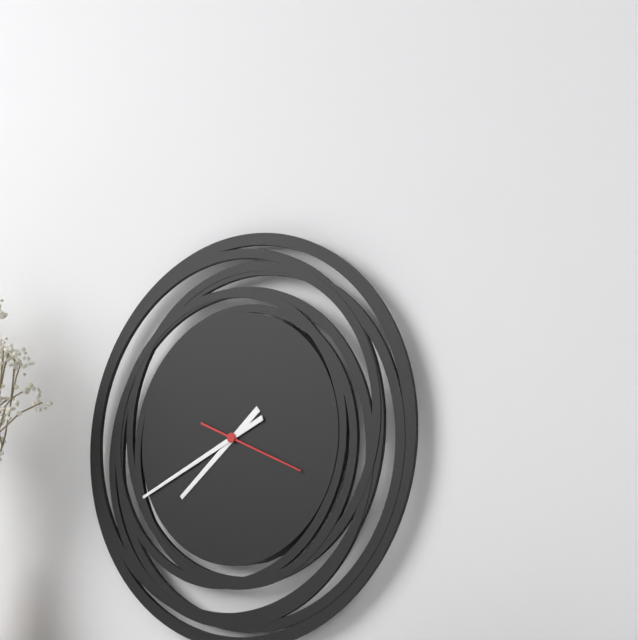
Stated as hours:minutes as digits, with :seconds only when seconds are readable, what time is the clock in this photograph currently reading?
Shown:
7:41:19
